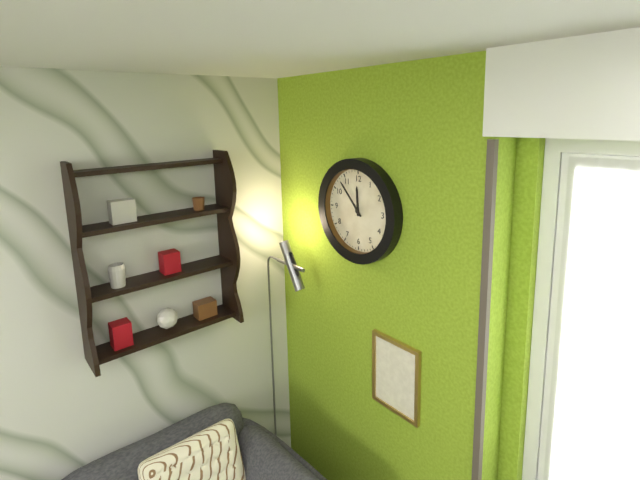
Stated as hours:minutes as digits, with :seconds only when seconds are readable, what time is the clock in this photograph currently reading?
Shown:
11:53
